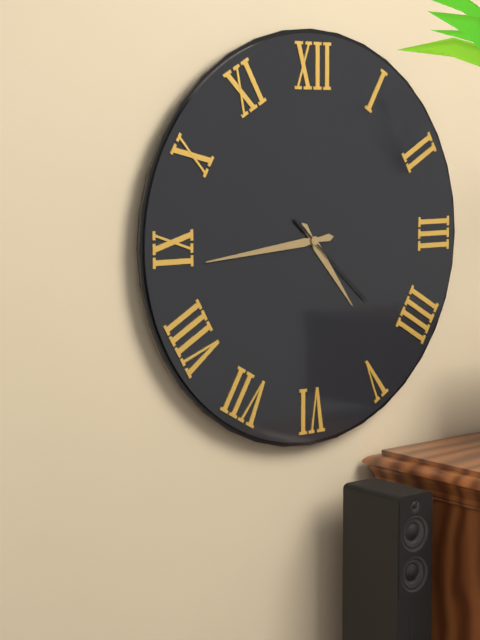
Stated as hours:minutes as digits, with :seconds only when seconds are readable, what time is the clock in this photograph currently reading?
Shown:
4:44:22
